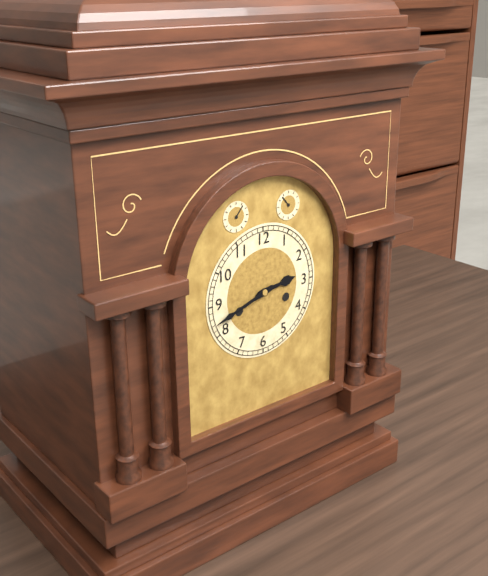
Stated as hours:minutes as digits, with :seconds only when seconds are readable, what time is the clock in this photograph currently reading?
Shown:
2:42
